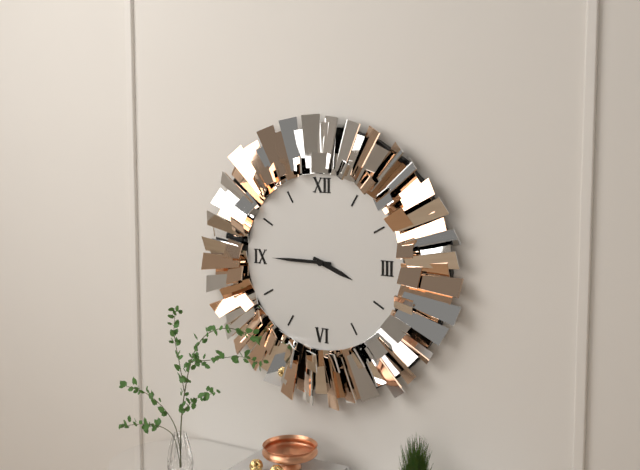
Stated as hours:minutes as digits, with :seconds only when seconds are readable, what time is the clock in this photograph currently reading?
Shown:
3:45
